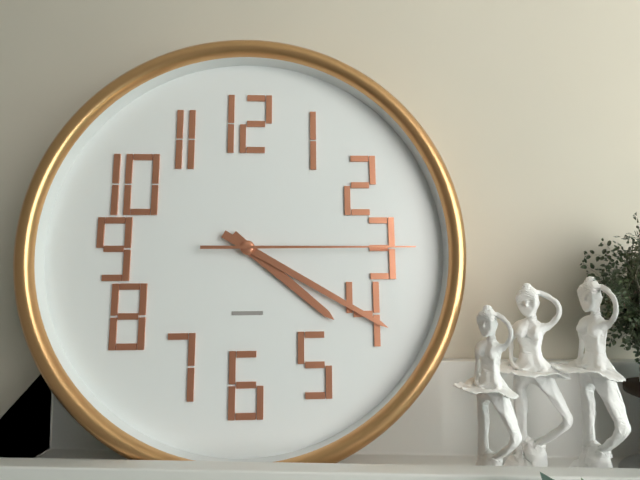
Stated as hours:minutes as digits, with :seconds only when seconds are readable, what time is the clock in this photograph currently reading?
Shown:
4:20:15
